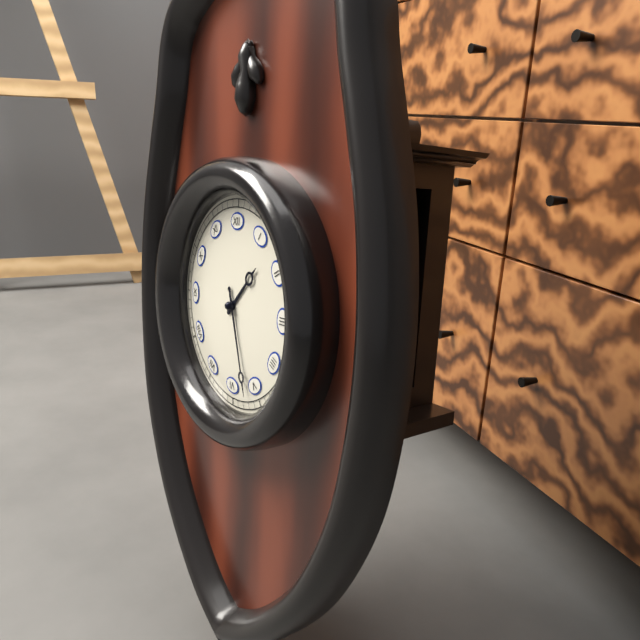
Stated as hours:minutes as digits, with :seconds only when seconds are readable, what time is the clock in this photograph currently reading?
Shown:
1:27
